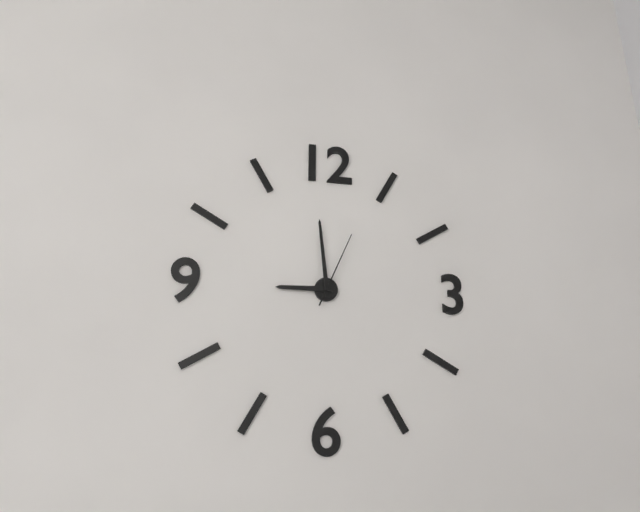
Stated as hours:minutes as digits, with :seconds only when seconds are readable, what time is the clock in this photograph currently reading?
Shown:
8:59:04
